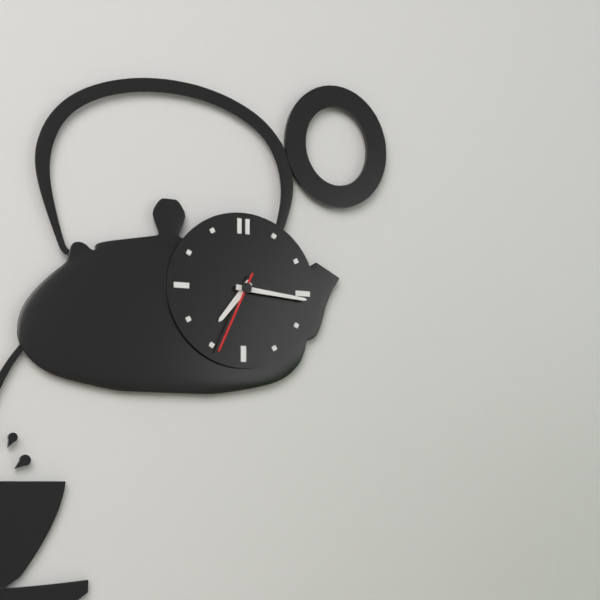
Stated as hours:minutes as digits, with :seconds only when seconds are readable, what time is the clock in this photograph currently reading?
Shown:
7:16:34
